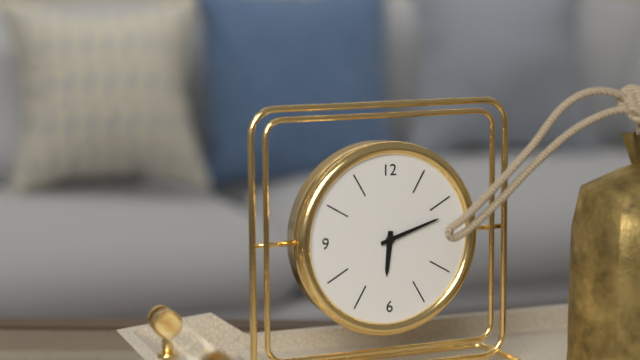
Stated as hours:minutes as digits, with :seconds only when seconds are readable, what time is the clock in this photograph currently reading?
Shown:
6:12
